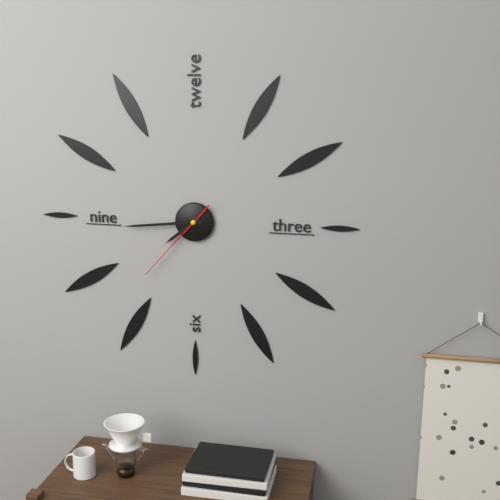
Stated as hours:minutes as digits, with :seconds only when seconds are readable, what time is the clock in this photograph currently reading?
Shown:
7:44:37
